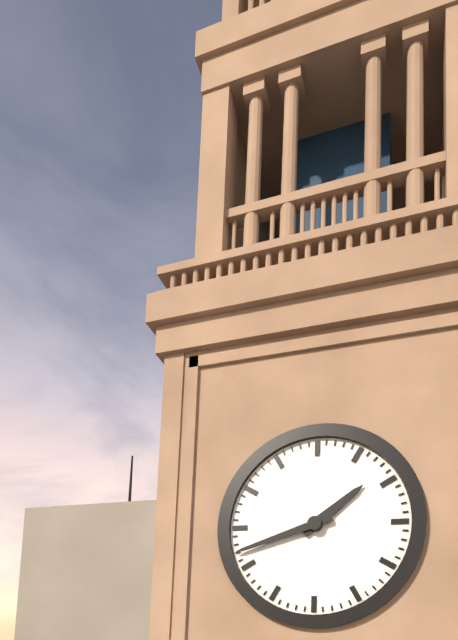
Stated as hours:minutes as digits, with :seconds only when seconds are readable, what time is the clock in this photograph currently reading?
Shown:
1:42
